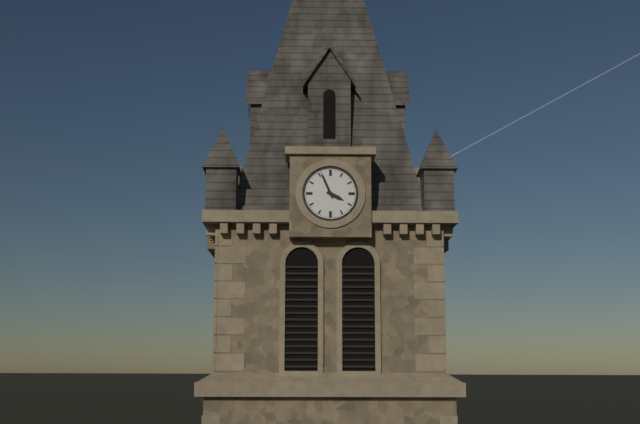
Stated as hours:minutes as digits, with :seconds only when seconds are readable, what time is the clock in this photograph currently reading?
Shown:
3:56
